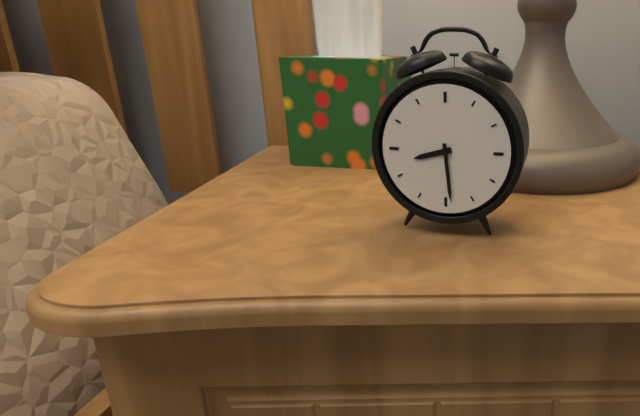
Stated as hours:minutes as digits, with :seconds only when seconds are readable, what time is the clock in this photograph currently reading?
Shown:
8:29
